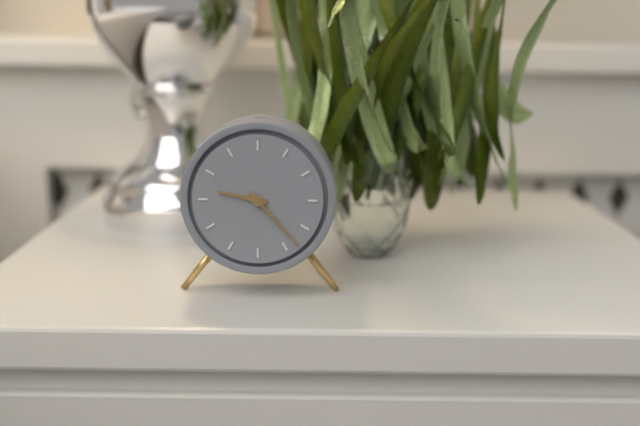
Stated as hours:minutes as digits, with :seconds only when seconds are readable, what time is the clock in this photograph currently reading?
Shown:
9:23
